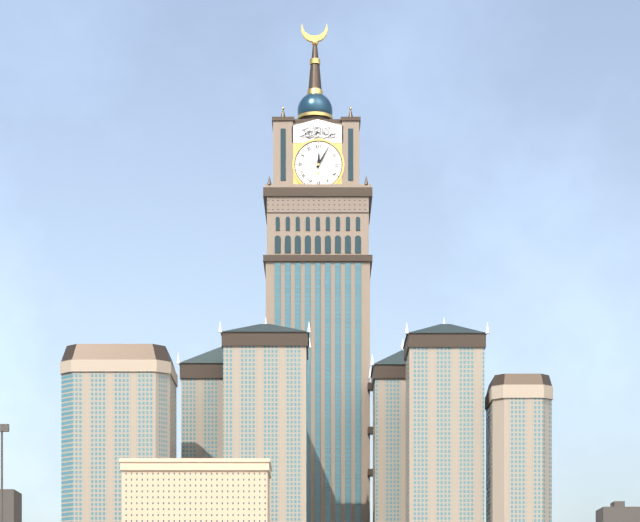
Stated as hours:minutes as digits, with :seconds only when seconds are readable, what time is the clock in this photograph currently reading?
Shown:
12:05
